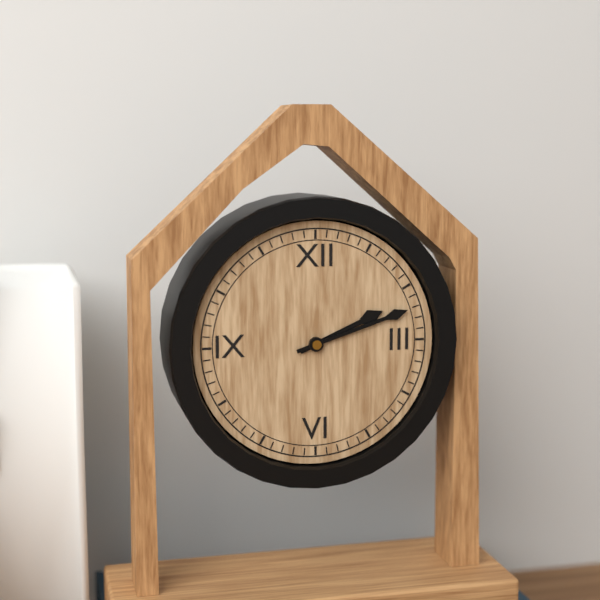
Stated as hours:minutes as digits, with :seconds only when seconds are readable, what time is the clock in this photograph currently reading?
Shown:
2:12
